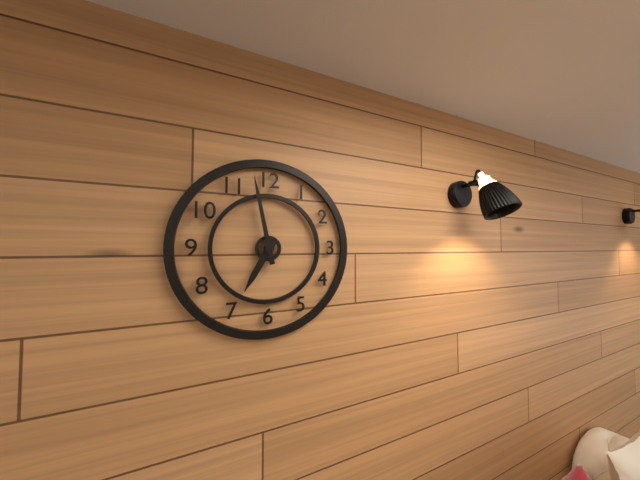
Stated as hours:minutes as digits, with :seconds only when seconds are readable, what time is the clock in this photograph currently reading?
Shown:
6:58
